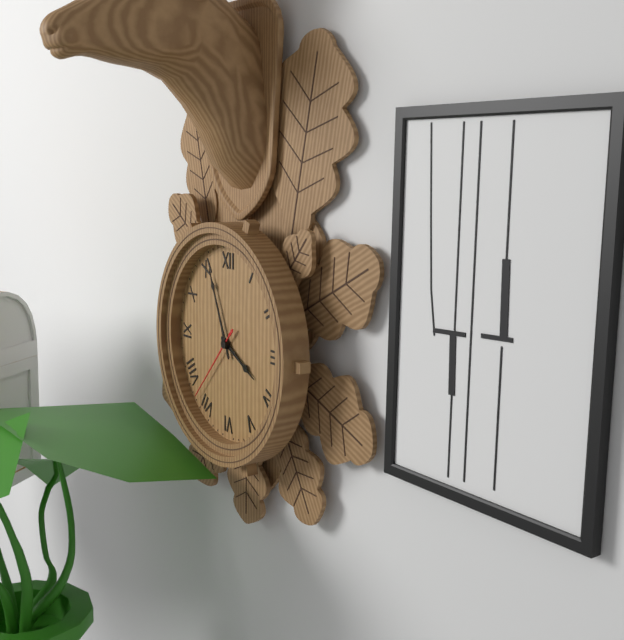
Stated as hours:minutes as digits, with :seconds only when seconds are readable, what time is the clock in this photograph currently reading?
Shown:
3:56:37
